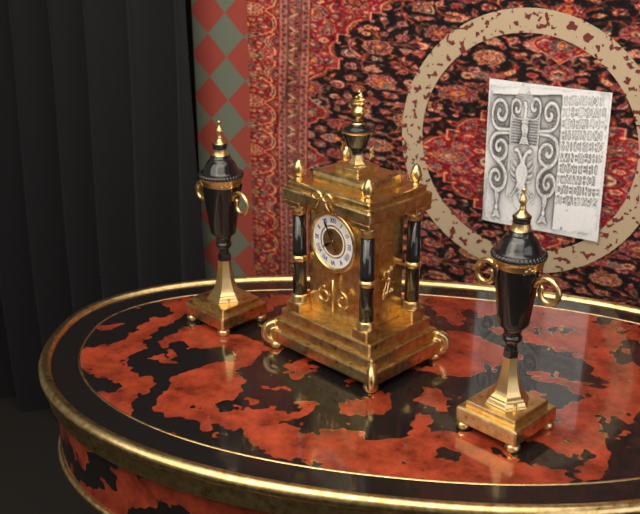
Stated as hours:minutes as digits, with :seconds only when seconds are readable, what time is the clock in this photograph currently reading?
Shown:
7:55
